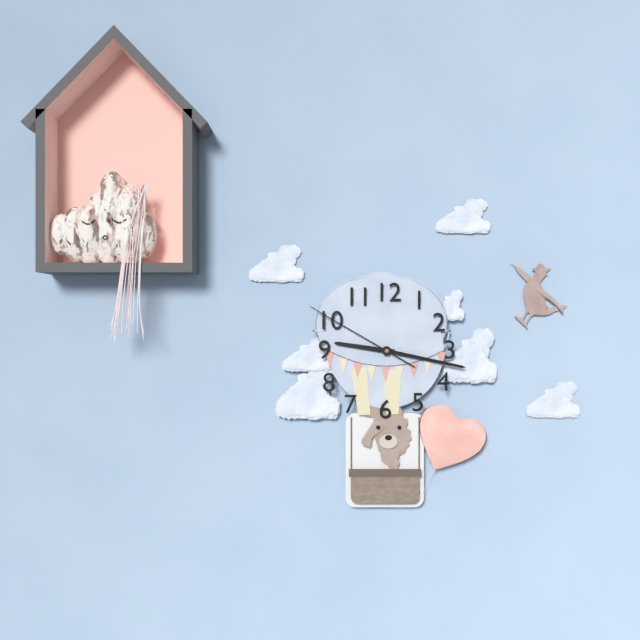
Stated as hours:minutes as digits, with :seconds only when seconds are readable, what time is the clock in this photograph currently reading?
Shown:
9:17:50
